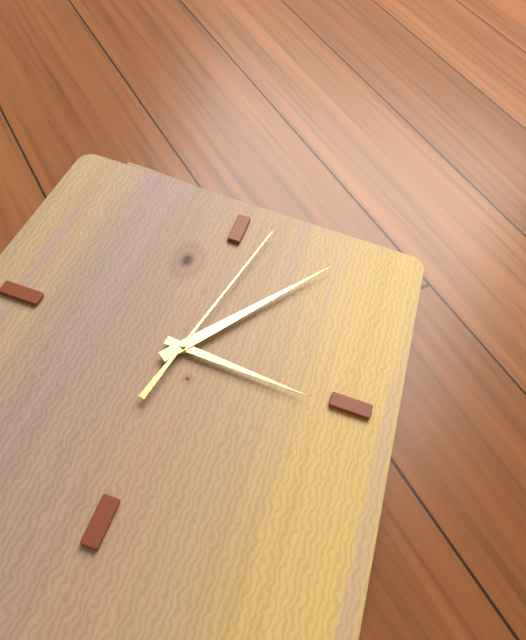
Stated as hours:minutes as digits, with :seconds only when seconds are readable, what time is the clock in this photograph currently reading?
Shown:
3:06:02
